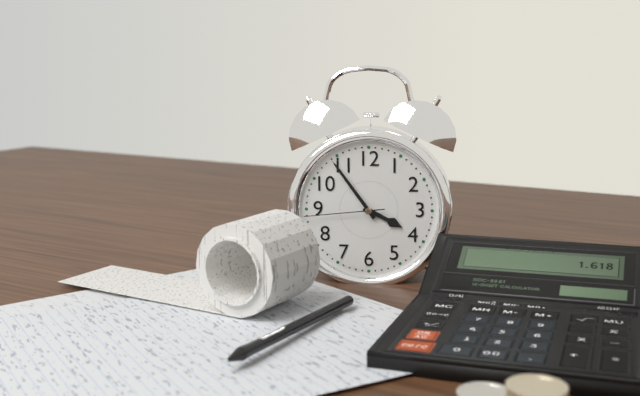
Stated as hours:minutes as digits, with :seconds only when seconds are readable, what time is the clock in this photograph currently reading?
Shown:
3:54:44
